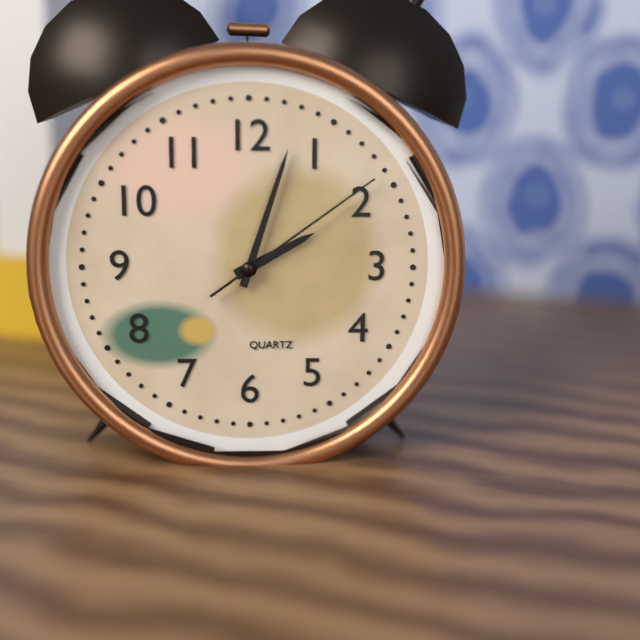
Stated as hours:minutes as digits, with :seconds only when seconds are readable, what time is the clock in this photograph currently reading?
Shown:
2:03:09
